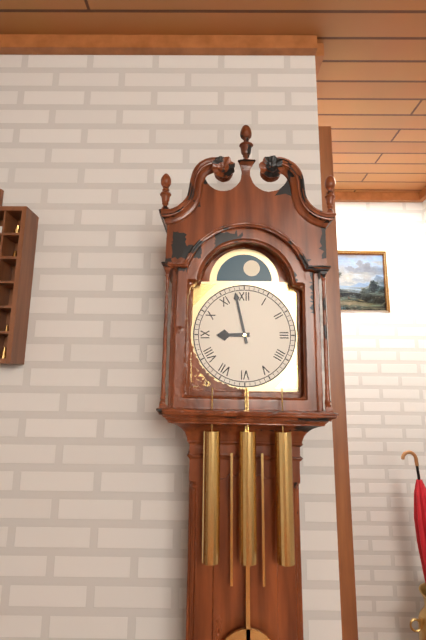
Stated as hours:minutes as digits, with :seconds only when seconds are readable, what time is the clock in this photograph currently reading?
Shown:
8:58
